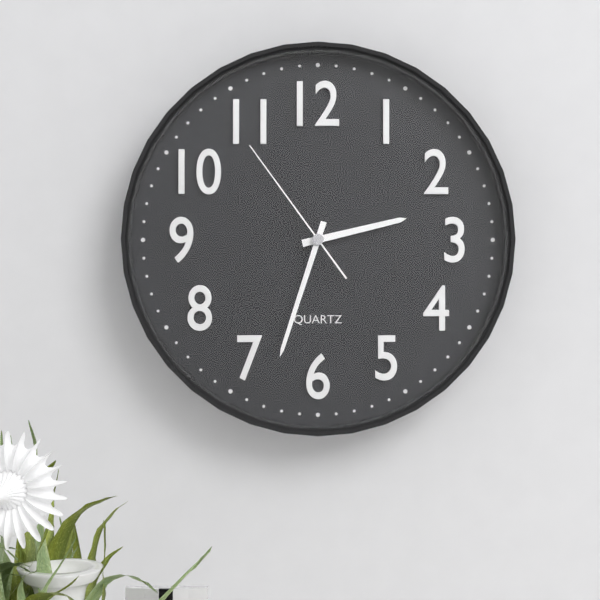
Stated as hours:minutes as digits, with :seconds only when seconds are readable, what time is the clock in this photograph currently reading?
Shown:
2:33:54
